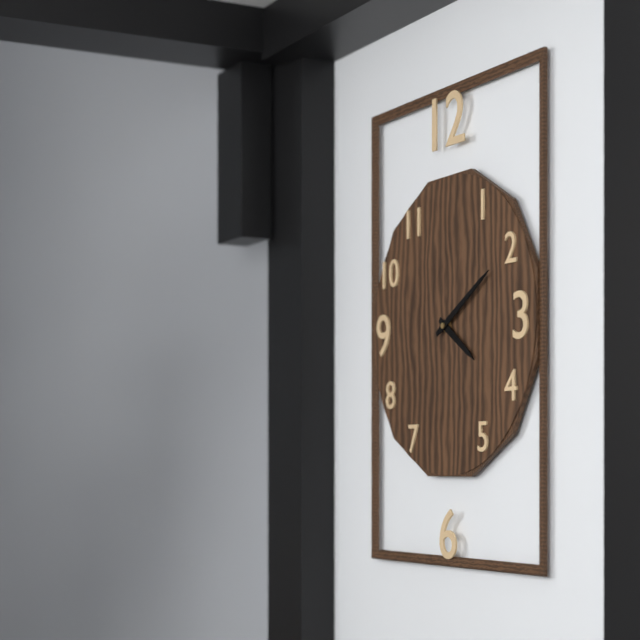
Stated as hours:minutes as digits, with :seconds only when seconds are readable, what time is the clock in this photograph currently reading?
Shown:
4:10
